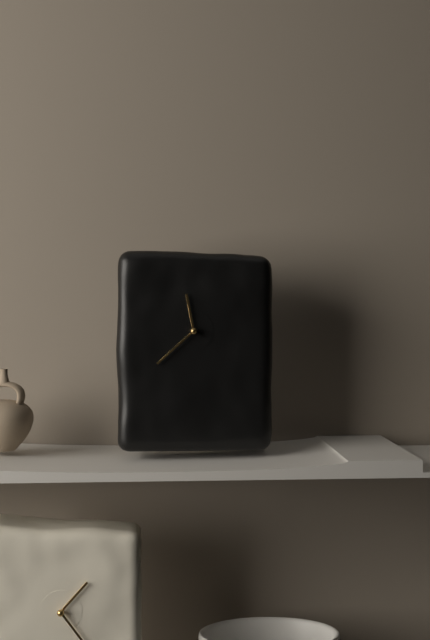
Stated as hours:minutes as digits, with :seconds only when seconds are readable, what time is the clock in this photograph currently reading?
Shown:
11:38
